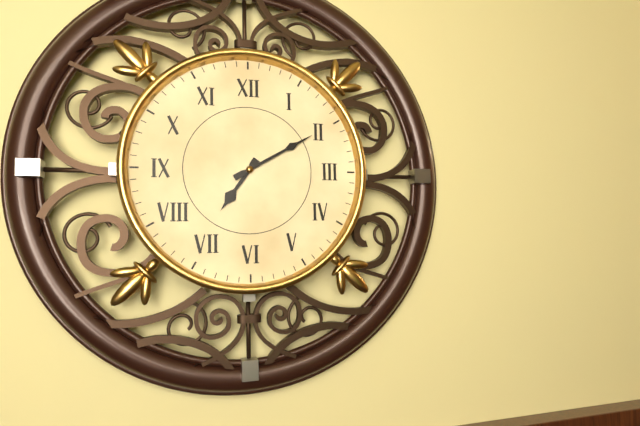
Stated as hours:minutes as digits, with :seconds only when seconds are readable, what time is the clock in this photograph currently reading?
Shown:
7:10
